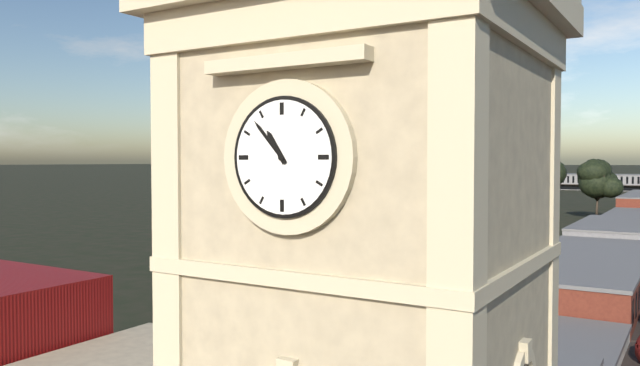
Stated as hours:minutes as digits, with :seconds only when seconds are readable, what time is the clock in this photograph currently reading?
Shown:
10:53
